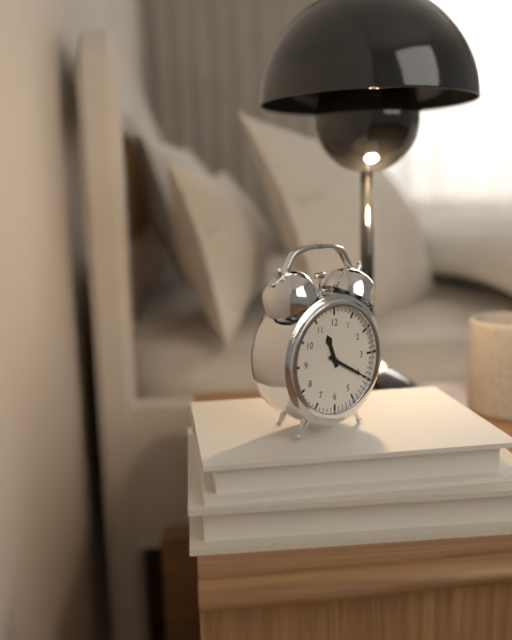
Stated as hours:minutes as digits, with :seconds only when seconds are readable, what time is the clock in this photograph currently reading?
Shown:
11:20
